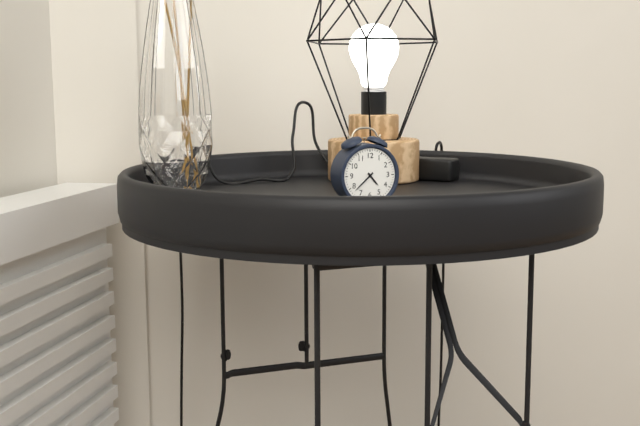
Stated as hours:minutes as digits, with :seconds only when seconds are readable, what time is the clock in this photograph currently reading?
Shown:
4:38
